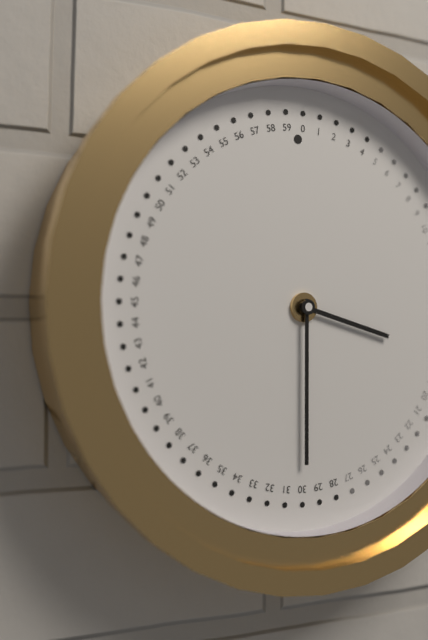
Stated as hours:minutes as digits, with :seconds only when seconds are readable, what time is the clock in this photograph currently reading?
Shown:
3:30
